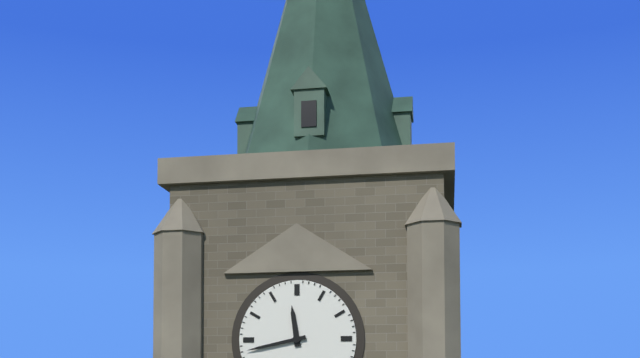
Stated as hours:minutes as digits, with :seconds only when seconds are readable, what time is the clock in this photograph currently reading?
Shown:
11:43
